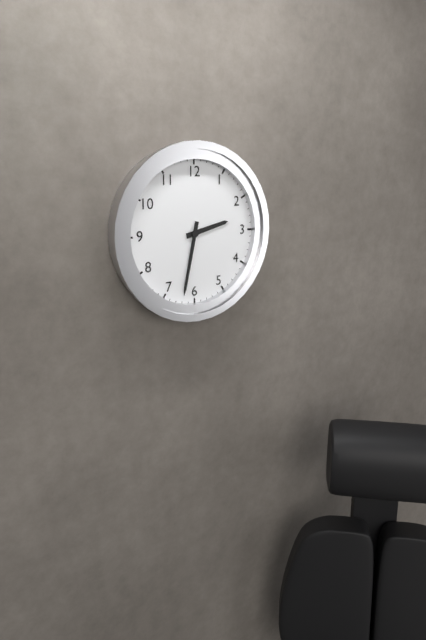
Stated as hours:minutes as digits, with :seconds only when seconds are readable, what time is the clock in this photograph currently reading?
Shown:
2:32
